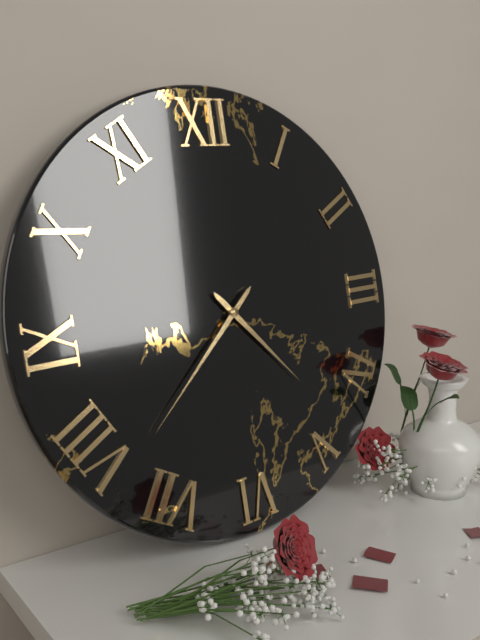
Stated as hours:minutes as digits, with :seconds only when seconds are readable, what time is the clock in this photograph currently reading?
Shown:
4:38
